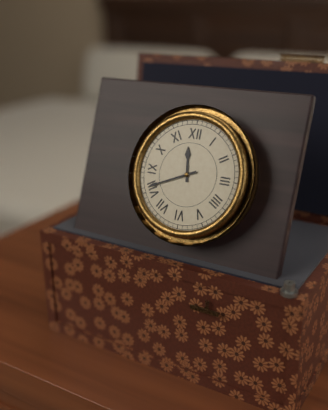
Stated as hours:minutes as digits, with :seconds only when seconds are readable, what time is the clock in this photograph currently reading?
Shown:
11:41
